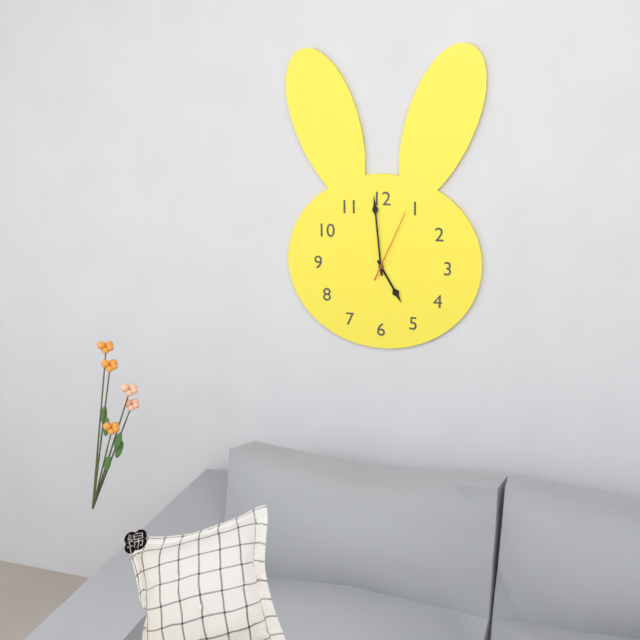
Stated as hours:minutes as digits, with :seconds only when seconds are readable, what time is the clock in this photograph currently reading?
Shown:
4:59:04
